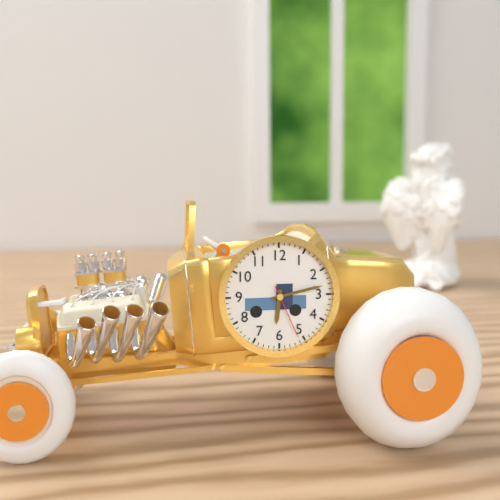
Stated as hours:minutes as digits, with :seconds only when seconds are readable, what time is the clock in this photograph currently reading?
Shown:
6:13:26
